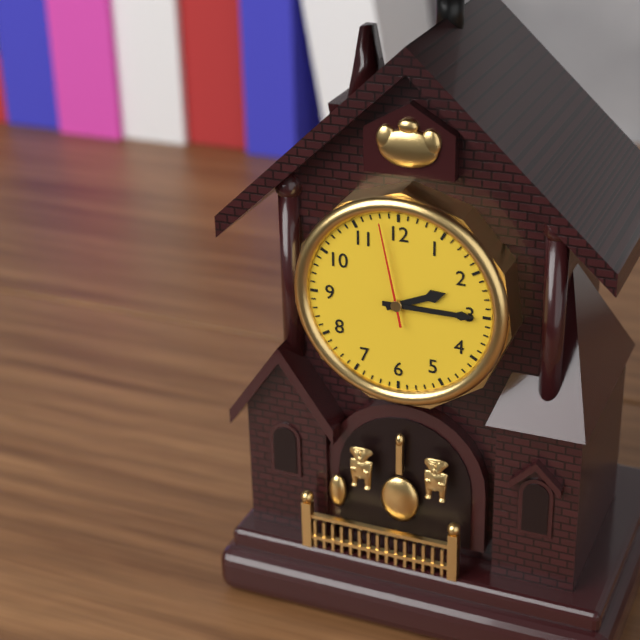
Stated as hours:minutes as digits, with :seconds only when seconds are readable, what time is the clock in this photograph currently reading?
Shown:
2:15:58
